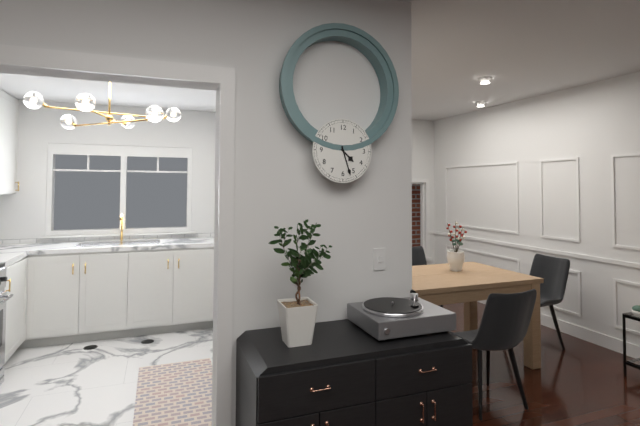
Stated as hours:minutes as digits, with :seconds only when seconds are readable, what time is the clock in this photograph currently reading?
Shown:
4:27
